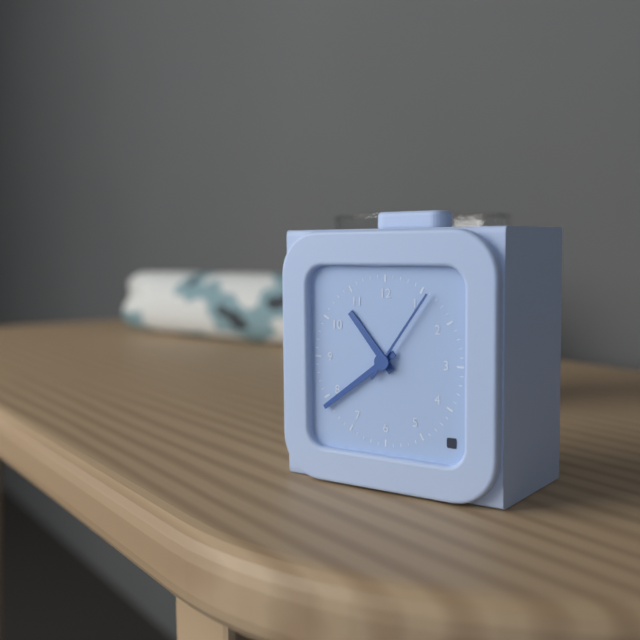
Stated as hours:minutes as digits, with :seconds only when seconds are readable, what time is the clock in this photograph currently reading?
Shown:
10:39:06
